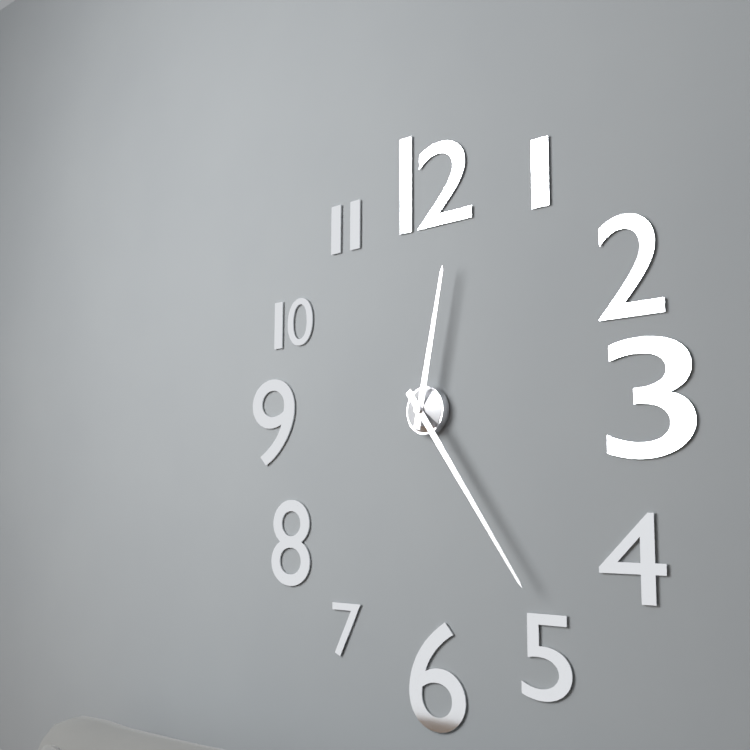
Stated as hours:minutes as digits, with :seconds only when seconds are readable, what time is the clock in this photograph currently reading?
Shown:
12:24
